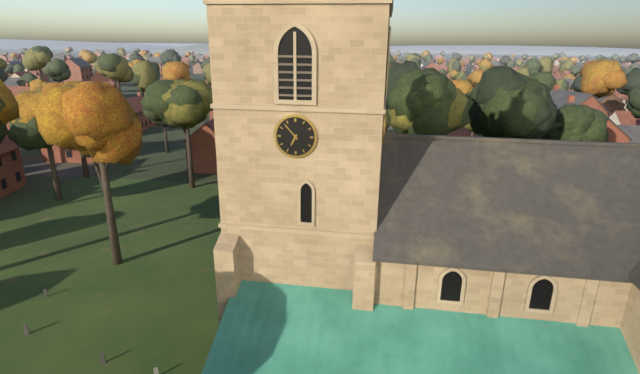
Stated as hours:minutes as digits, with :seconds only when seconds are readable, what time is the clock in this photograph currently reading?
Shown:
6:53
